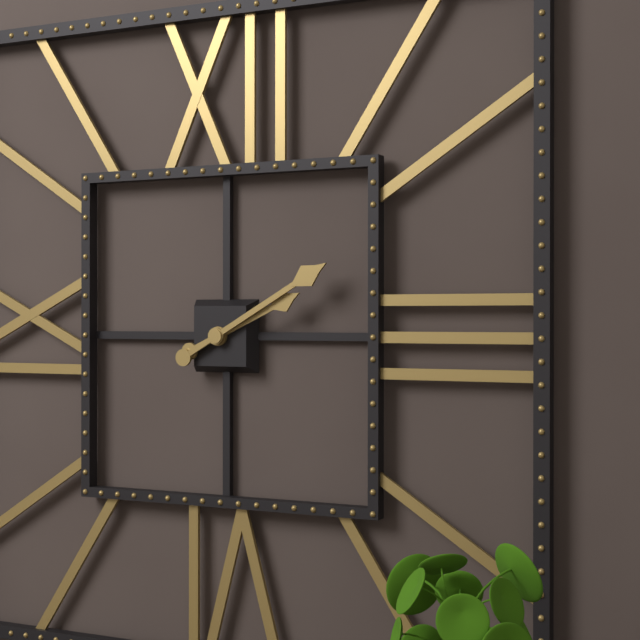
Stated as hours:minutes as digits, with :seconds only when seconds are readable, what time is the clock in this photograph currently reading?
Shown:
2:10
